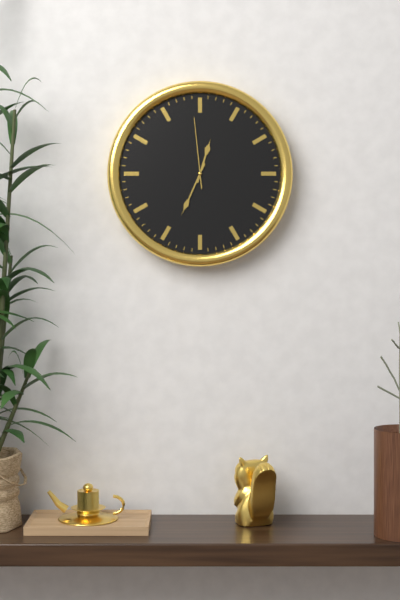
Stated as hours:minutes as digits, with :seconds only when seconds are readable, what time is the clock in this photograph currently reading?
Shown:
12:34:59
